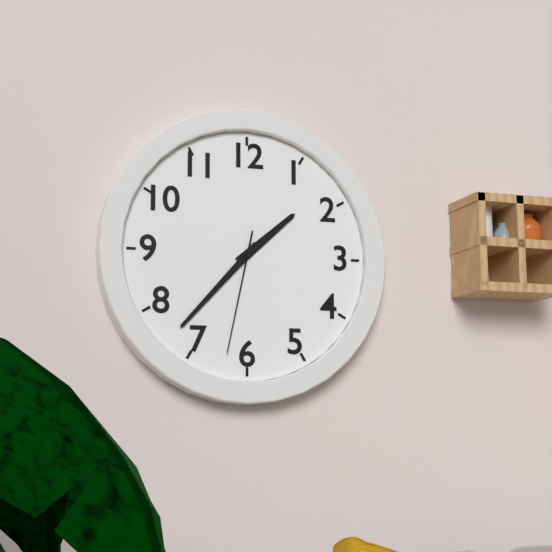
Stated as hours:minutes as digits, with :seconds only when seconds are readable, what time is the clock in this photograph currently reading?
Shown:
1:37:32
